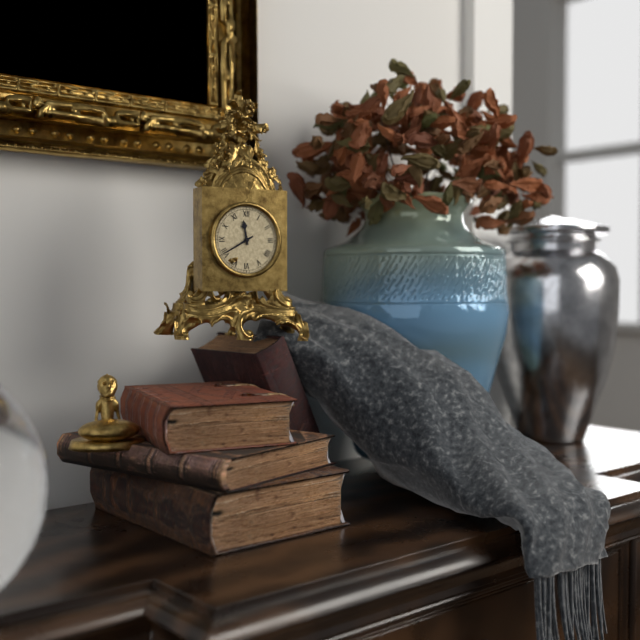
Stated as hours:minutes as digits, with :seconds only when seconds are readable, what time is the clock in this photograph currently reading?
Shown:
11:40
